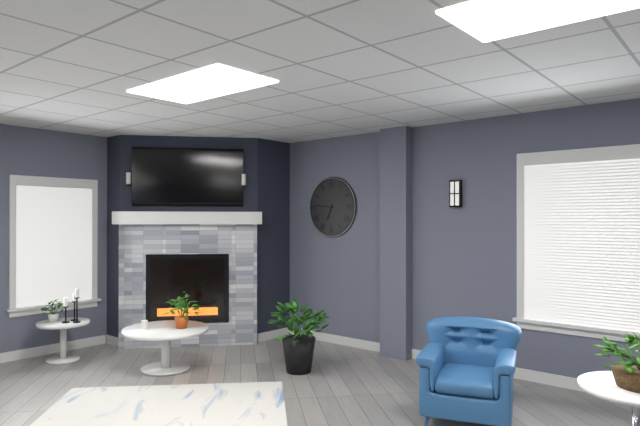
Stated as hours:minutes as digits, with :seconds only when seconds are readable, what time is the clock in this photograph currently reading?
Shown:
6:46
